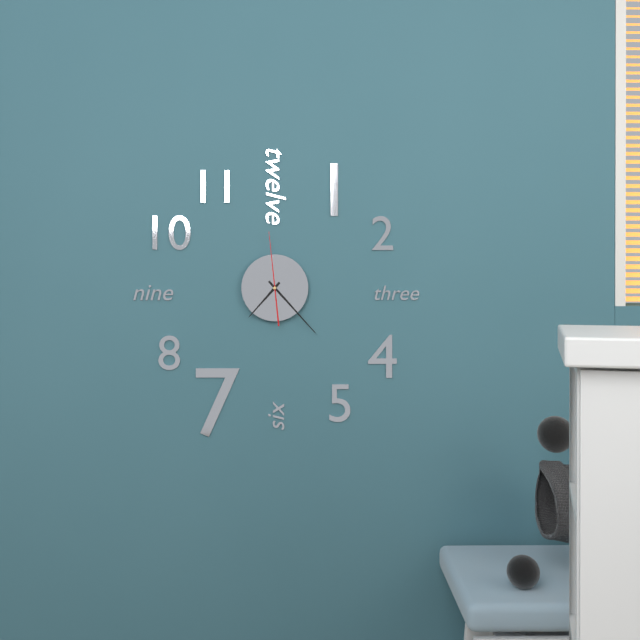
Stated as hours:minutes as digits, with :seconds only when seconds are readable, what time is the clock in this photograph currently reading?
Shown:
7:23:59
